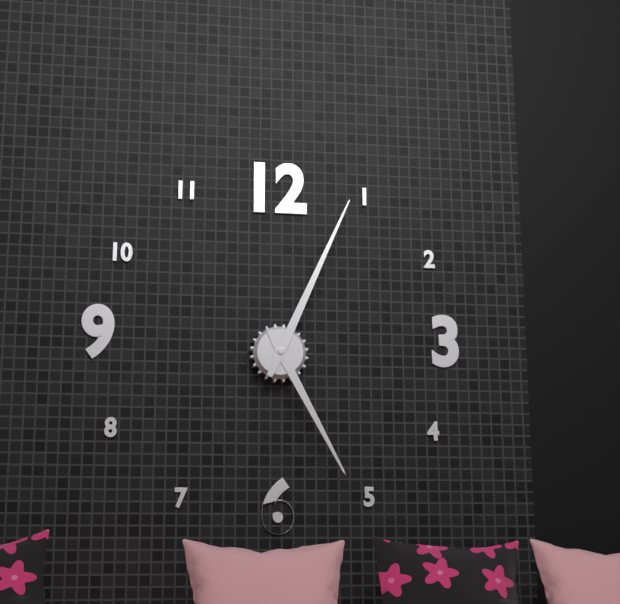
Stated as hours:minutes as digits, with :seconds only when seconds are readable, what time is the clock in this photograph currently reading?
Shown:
5:04
